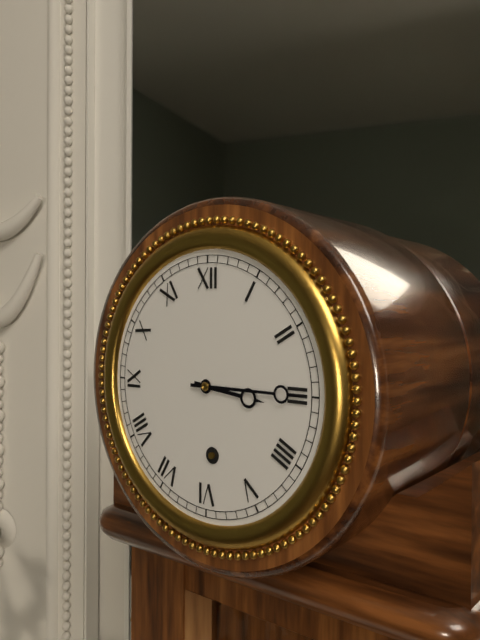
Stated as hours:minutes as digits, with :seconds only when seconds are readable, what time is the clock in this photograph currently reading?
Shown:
3:15
